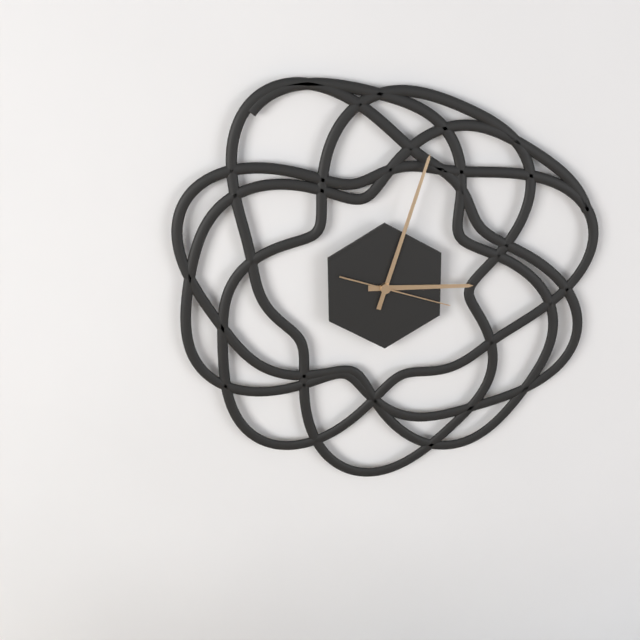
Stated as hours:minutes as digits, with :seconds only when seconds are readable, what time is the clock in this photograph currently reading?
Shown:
3:03:18
